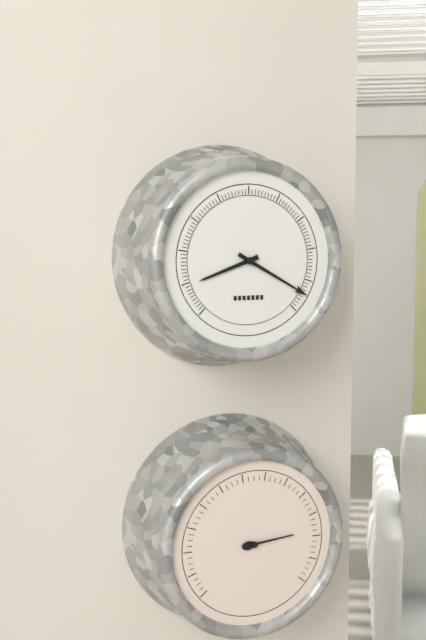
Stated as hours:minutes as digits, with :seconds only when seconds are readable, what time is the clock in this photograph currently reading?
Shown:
8:20
